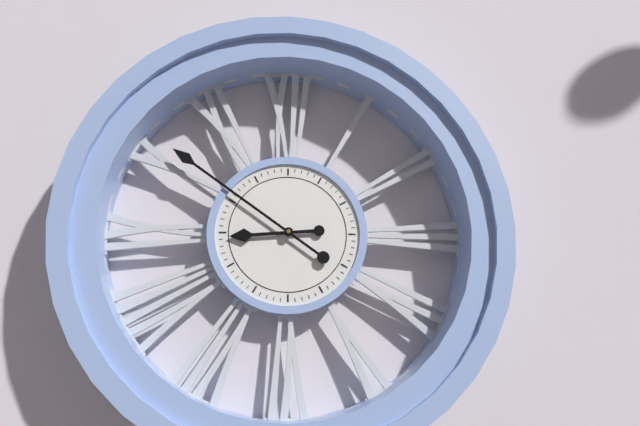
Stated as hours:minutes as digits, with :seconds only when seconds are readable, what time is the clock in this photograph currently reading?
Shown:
8:51
